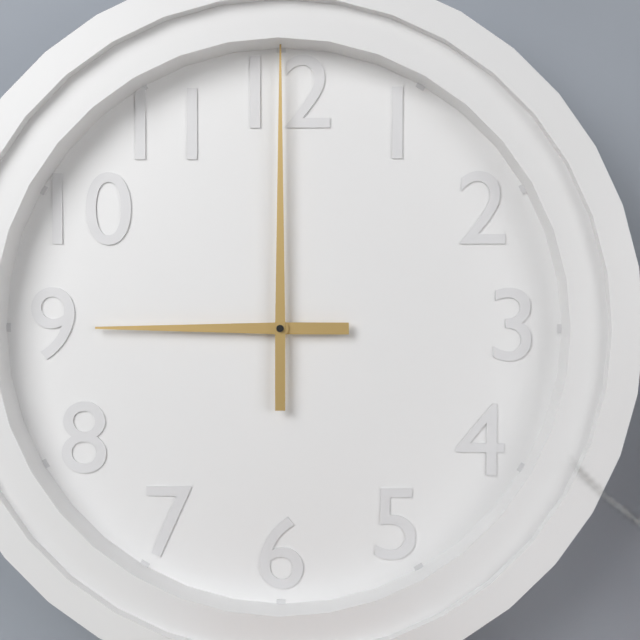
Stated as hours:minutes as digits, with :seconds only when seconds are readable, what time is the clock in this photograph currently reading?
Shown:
9:00
